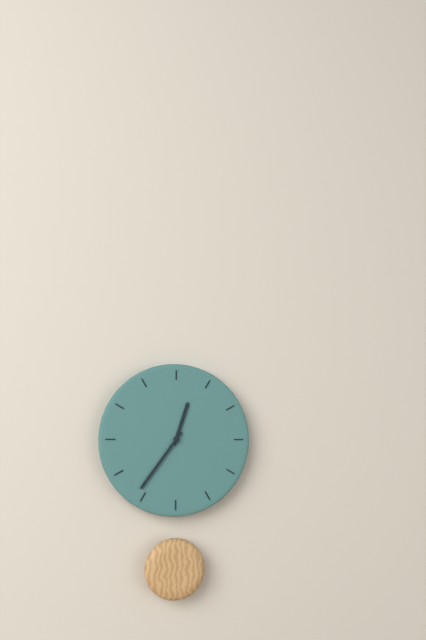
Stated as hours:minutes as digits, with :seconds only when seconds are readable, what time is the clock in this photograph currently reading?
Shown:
12:36
